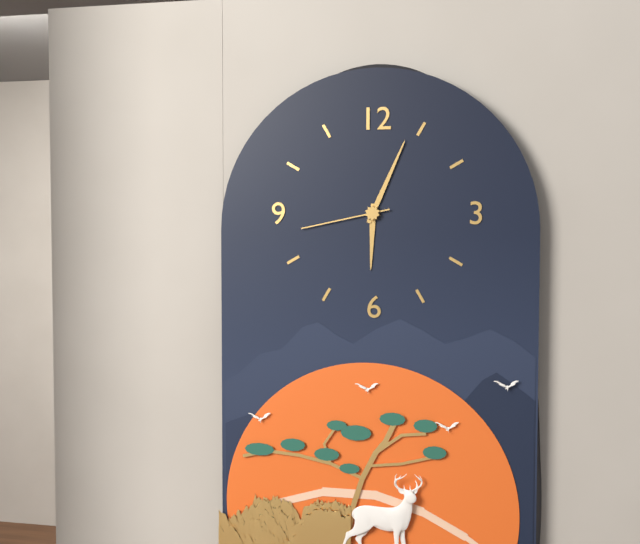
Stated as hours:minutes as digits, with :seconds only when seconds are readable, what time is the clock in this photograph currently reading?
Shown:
6:04:43
